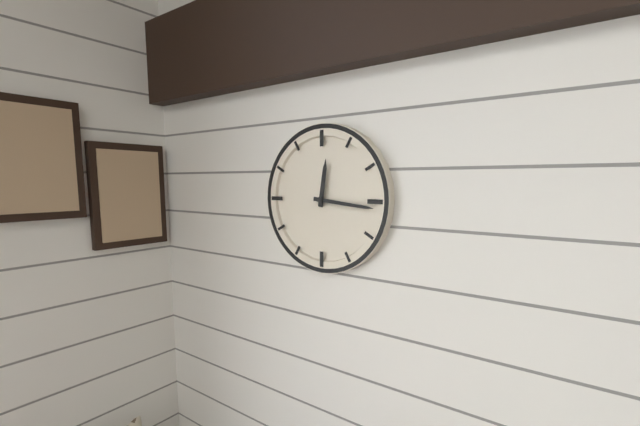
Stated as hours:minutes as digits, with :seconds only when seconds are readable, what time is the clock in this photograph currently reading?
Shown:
12:16
